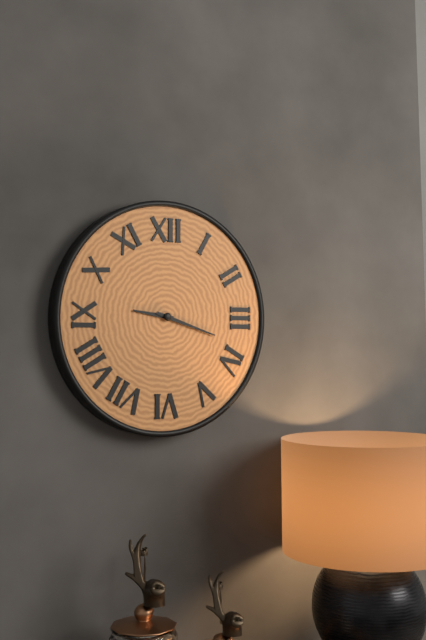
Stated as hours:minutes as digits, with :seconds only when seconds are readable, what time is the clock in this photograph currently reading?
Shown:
9:18
